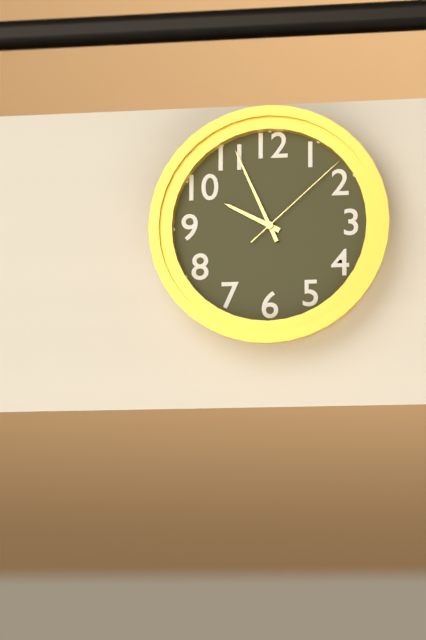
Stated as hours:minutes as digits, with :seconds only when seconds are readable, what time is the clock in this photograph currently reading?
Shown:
9:56:08
